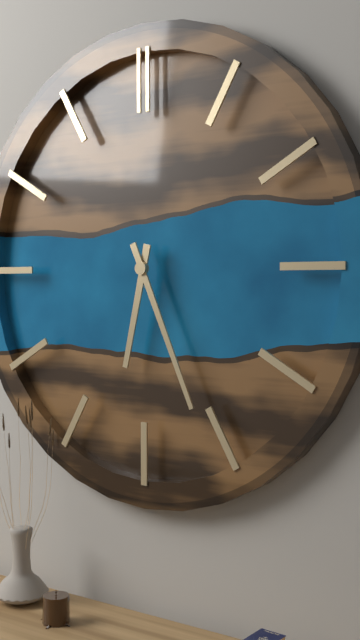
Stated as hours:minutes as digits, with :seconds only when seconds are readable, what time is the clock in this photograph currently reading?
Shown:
6:26
